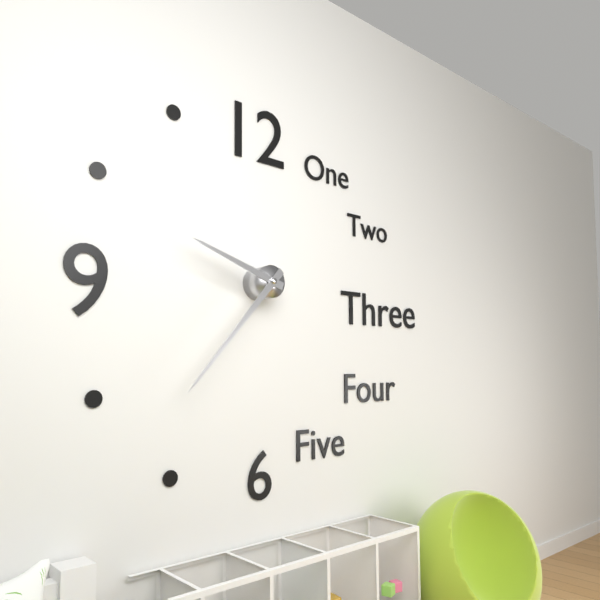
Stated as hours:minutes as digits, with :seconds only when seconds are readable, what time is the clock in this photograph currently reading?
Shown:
9:37
